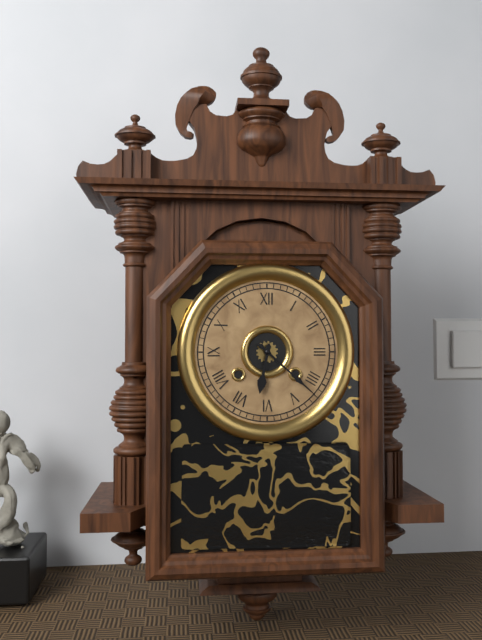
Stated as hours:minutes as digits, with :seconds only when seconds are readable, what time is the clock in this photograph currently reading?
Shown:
6:22
